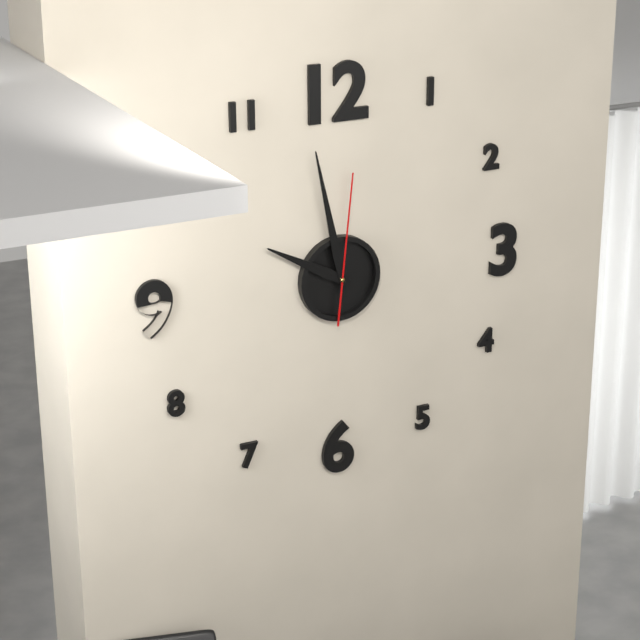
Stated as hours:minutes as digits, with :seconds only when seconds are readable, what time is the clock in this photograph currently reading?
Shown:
9:58:01
